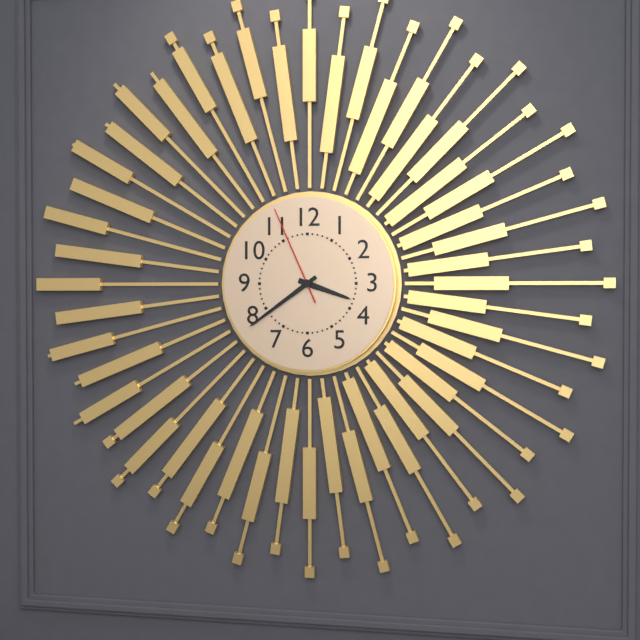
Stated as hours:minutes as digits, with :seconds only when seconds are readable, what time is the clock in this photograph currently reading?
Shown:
3:39:56
